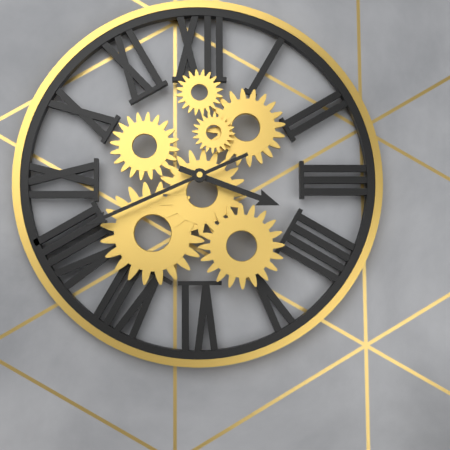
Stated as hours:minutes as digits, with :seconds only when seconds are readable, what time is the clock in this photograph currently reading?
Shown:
3:41
